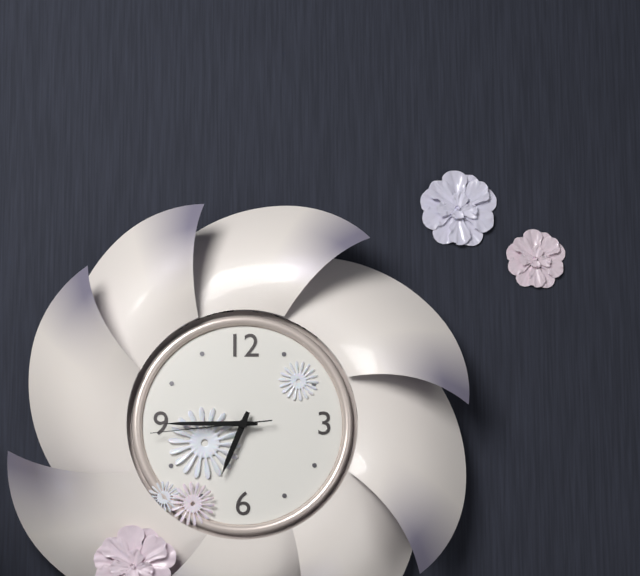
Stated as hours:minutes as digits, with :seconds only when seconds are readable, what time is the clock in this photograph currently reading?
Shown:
6:45:44
